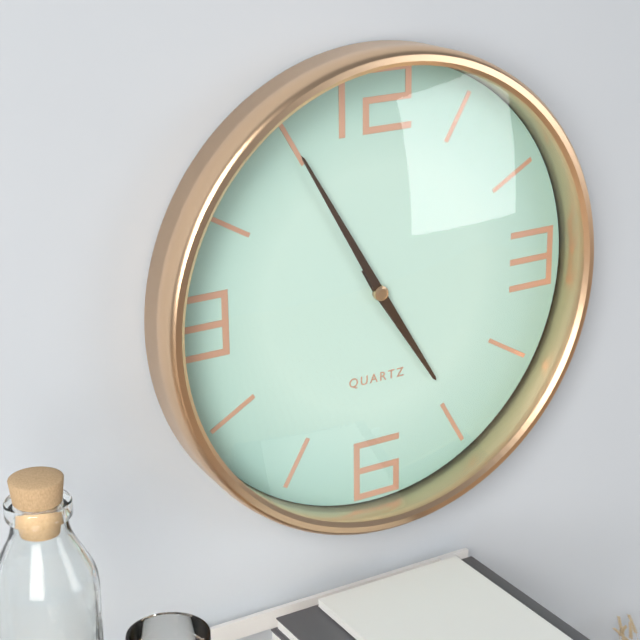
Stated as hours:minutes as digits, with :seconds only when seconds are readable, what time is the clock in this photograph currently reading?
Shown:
4:55
